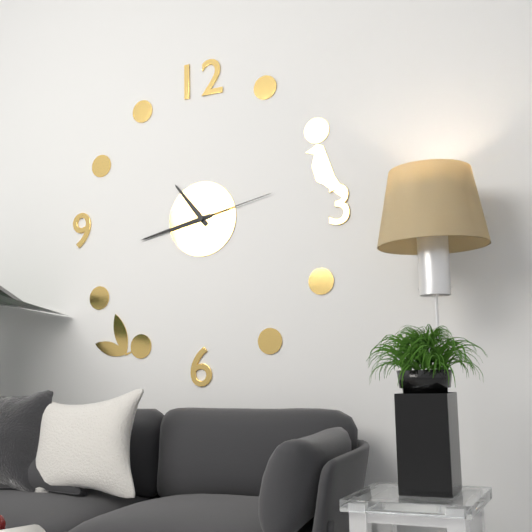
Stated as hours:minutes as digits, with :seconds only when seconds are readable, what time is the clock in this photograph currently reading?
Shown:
10:43:13
